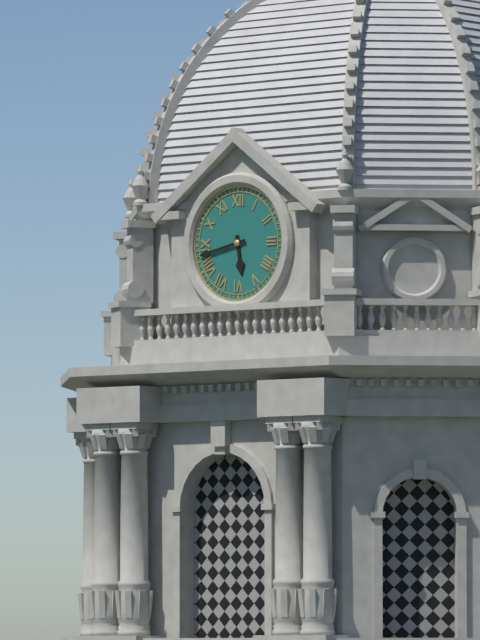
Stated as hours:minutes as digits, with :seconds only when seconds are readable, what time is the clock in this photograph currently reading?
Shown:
5:43
